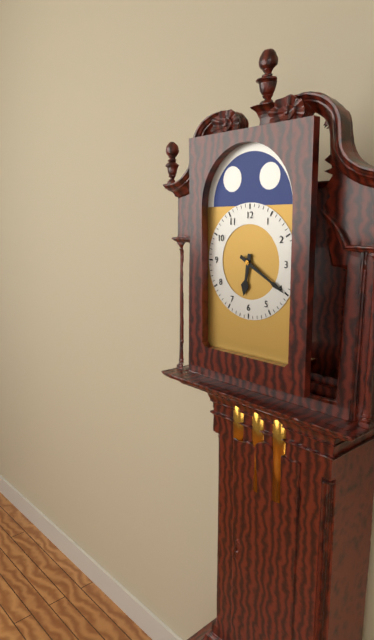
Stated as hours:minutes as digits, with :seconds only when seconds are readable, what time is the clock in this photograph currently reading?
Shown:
6:20
